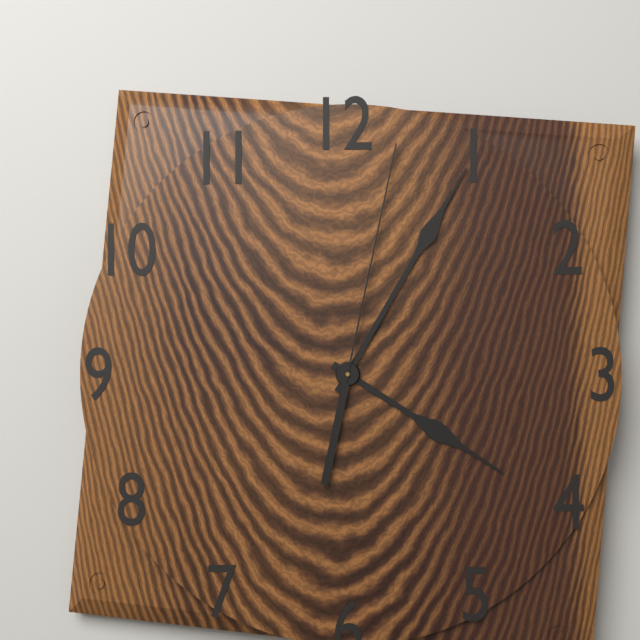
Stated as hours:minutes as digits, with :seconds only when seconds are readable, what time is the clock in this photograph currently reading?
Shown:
4:05:02
